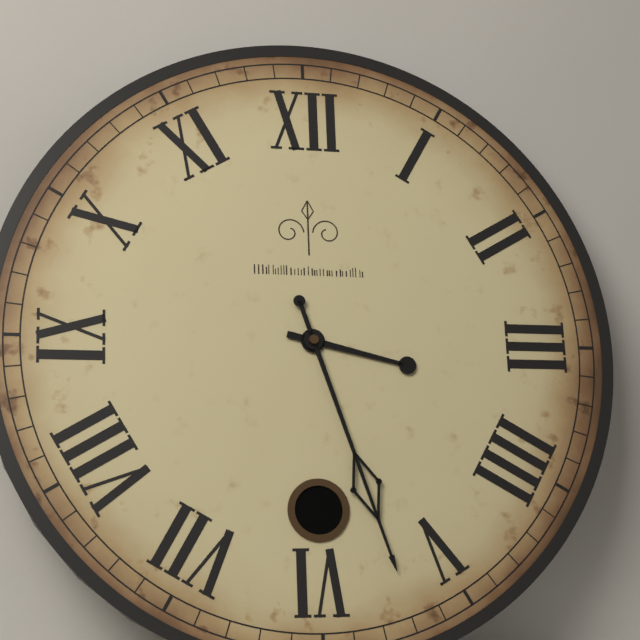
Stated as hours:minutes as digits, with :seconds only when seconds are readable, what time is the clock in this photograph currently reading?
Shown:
3:27
